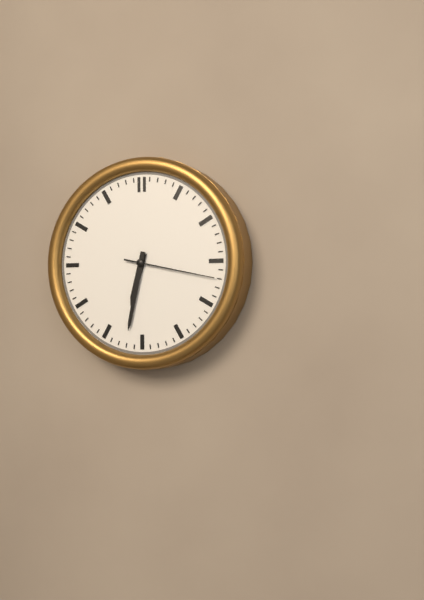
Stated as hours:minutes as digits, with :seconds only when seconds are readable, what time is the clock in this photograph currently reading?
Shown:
6:32:17
